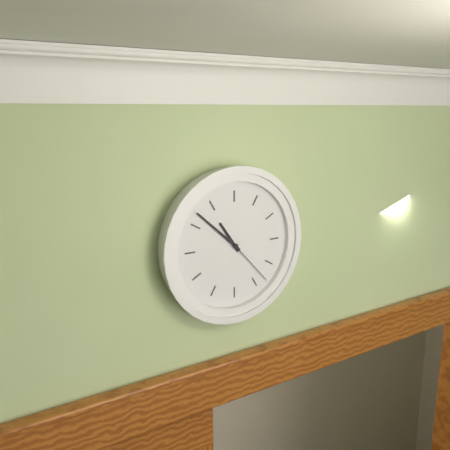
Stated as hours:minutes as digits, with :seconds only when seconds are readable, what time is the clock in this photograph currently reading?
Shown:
10:52:23
